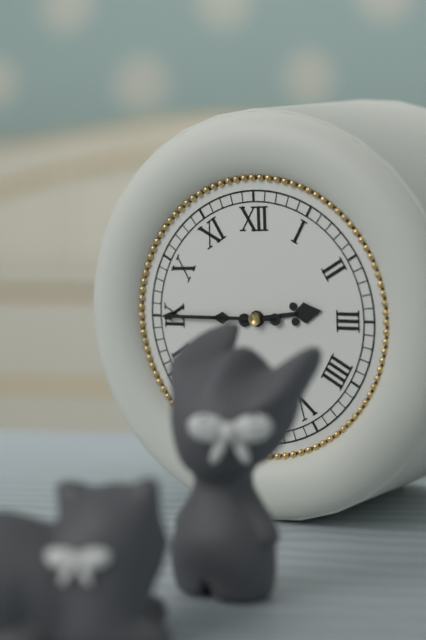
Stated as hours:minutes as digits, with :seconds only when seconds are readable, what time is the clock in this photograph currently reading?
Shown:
2:45
